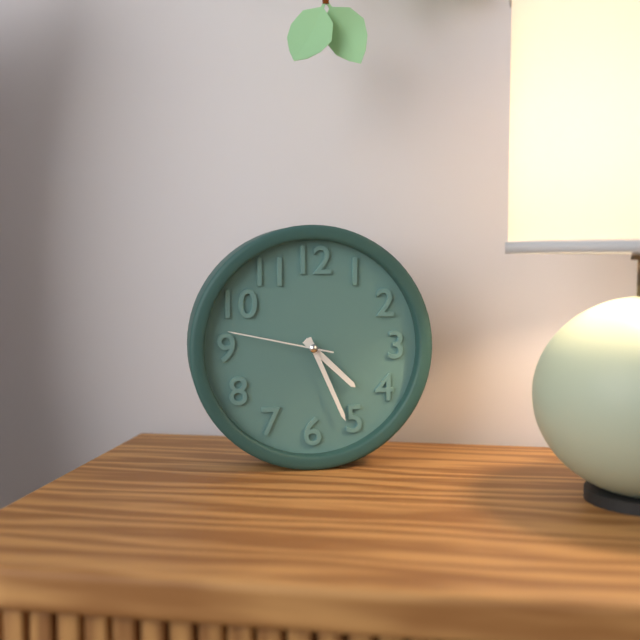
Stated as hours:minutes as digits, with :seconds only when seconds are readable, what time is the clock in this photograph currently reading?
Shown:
4:26:47
